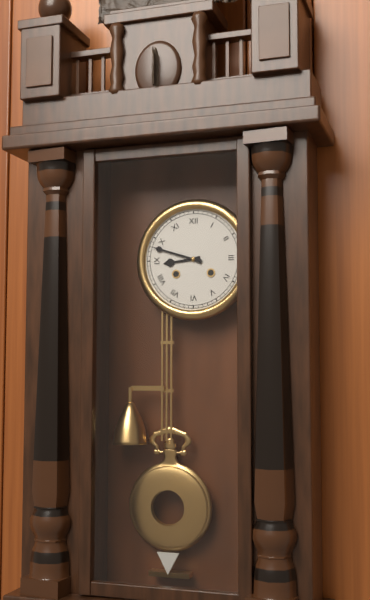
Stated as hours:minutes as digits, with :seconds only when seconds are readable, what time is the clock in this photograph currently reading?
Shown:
8:48
